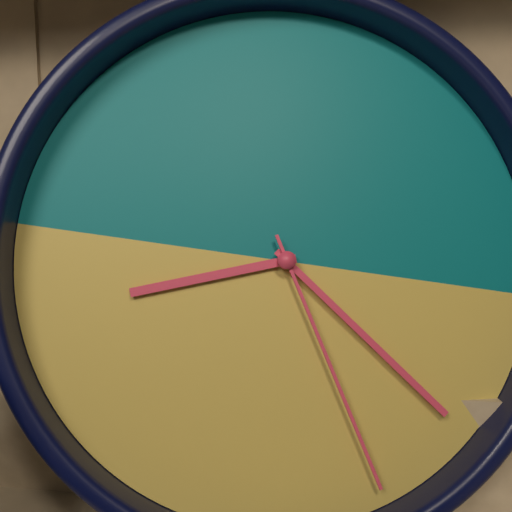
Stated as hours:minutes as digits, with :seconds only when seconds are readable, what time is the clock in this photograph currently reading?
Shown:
8:21:25
